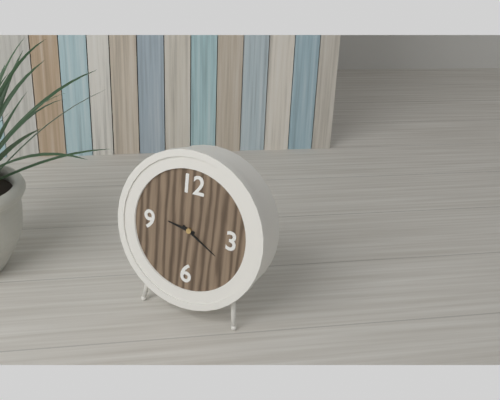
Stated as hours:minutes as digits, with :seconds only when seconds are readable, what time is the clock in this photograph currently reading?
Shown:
9:20
